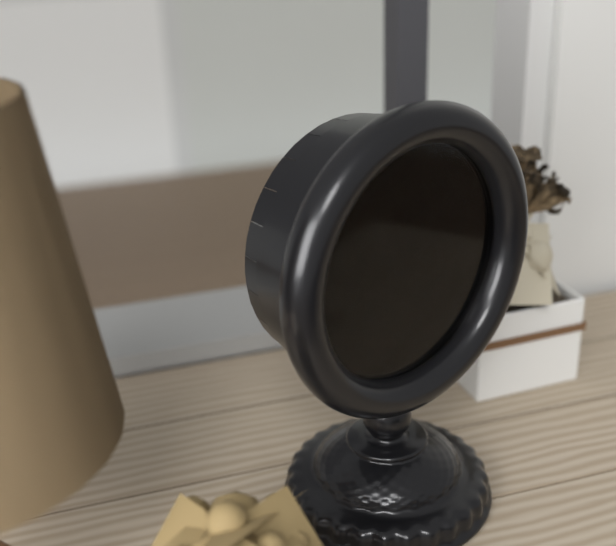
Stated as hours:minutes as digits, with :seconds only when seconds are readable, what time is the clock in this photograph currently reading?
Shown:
1:16
